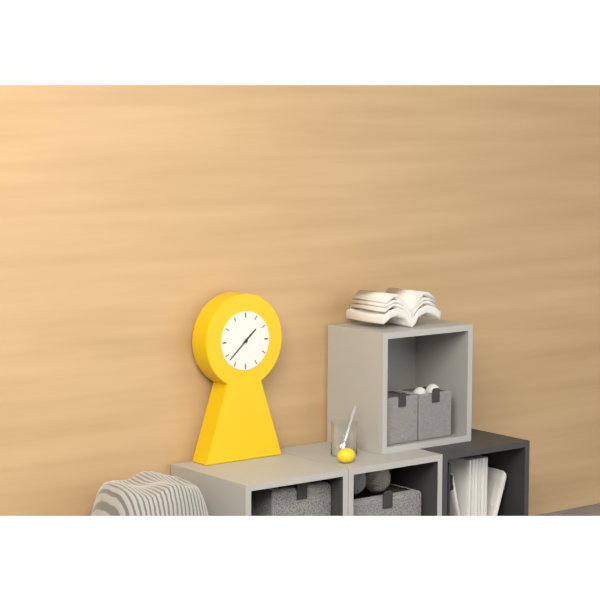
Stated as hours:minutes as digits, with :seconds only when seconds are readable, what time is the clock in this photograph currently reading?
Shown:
1:38
